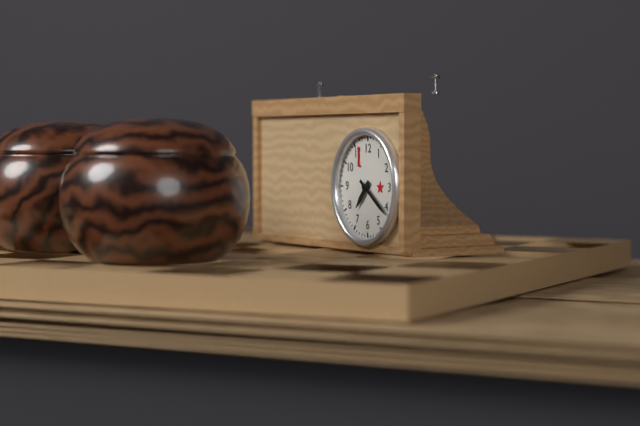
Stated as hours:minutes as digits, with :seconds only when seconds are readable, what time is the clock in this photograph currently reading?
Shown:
7:21
